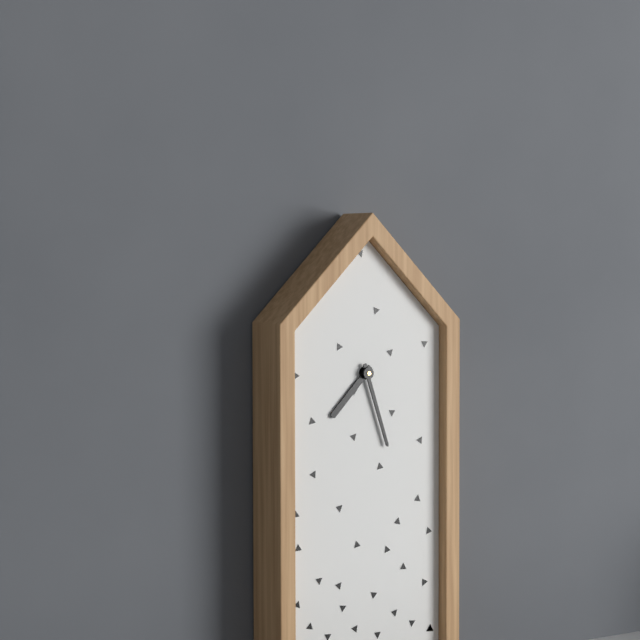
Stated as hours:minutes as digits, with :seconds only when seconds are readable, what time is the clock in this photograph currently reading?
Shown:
7:27
